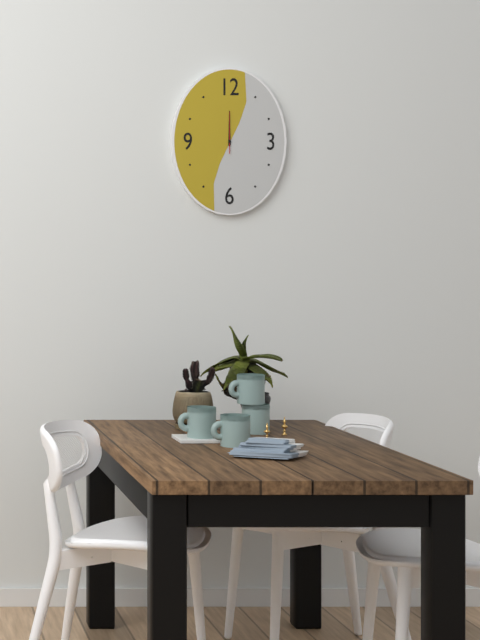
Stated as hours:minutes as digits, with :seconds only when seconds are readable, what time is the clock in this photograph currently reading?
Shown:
12:00
